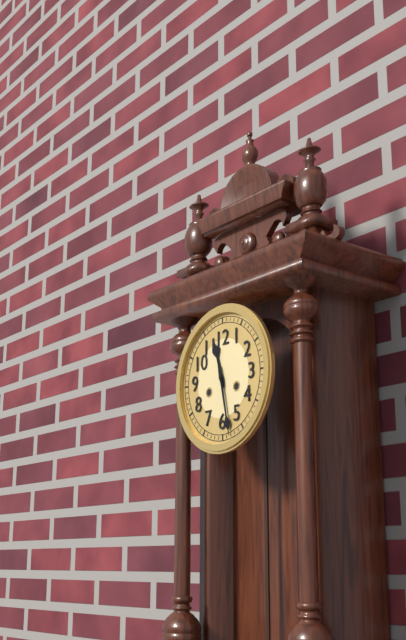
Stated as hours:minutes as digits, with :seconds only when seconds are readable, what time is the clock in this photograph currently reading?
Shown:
11:28
